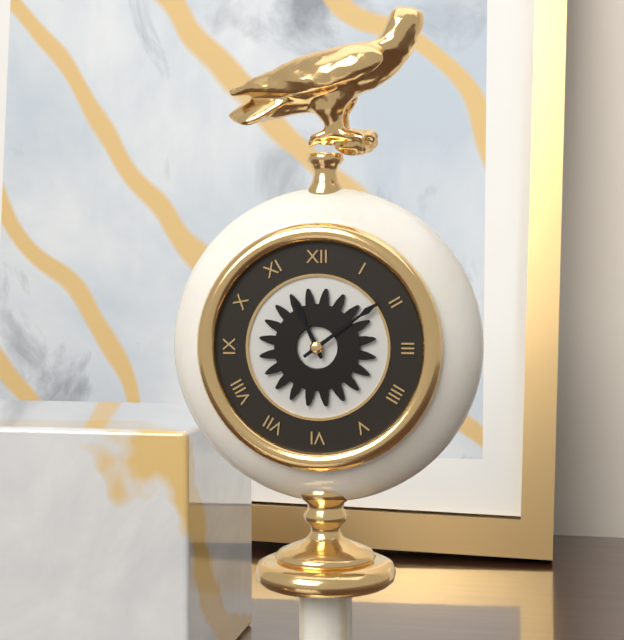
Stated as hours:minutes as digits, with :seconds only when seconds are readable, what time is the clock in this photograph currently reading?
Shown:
11:09
